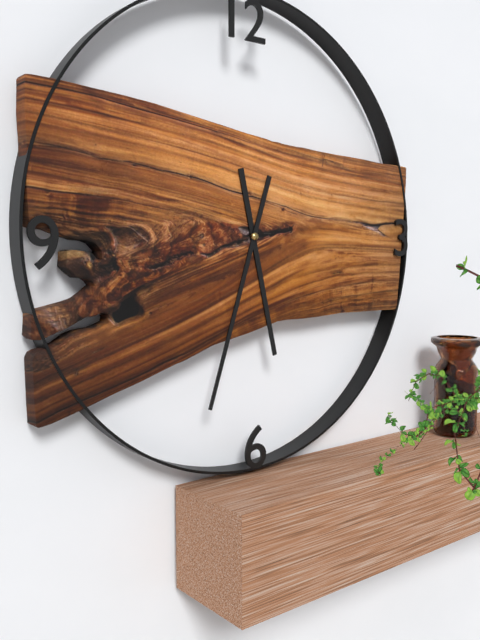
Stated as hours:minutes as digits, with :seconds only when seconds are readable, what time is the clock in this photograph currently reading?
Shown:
5:33
